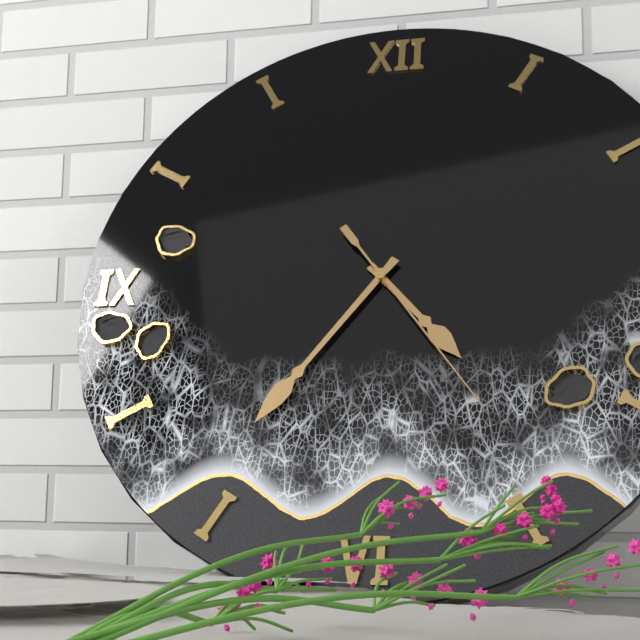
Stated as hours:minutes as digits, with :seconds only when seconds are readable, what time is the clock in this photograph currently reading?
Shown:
4:36:24
